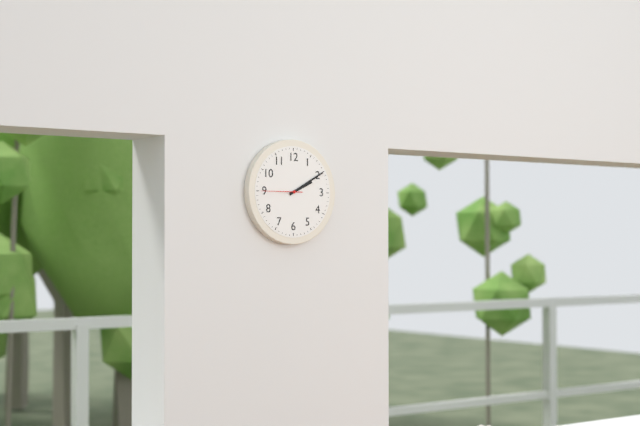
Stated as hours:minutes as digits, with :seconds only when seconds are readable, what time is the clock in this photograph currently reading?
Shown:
2:10
